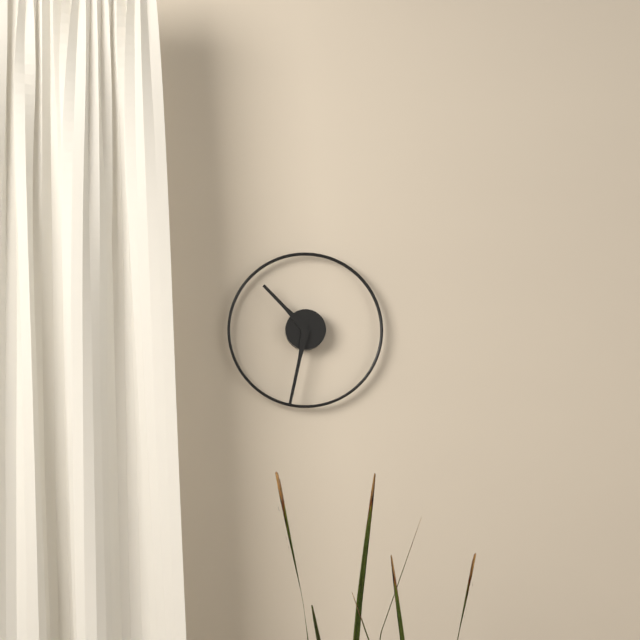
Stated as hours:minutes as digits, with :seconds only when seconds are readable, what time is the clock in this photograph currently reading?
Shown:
10:32
